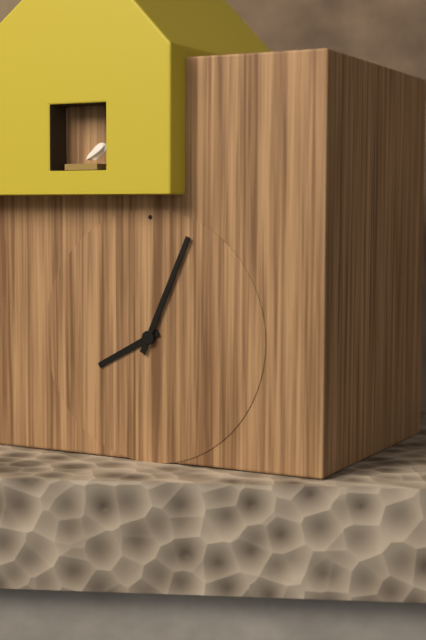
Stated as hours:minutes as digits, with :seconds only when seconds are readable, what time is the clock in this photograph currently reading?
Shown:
8:04
